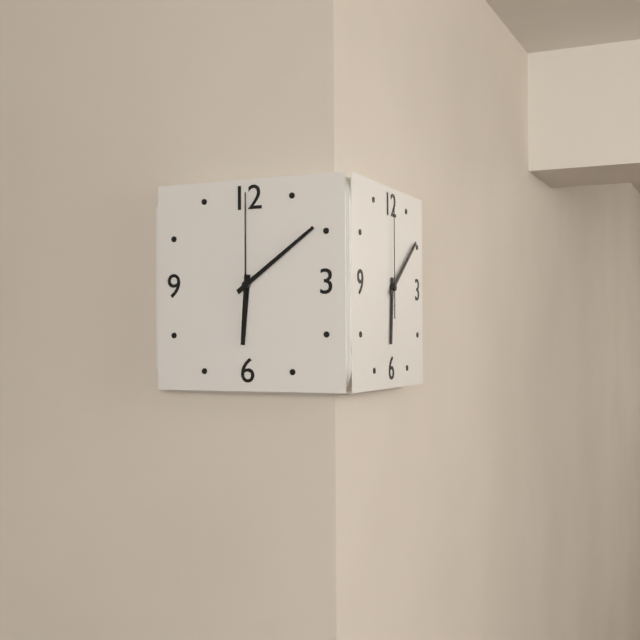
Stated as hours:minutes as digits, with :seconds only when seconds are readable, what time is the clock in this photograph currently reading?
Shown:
6:09:00
